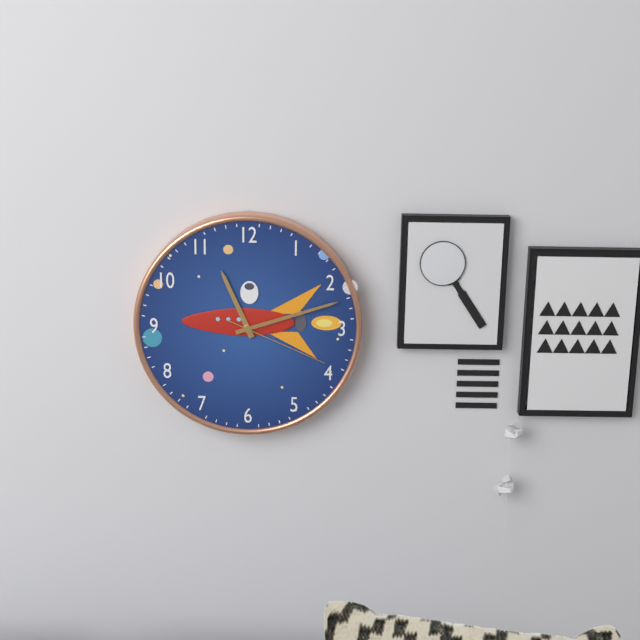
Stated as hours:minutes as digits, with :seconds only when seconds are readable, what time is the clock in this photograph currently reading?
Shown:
11:12:19
